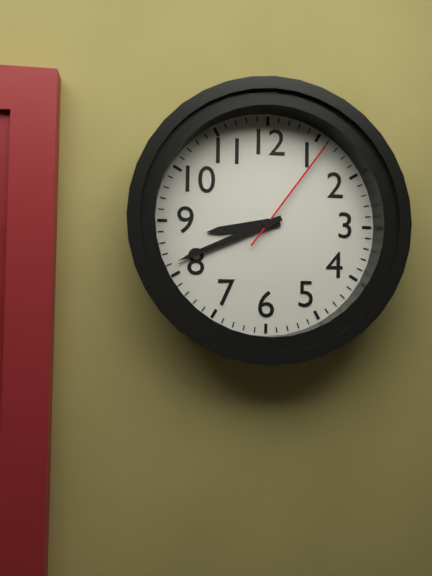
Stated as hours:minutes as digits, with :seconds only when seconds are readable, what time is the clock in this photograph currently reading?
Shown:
8:41:06
